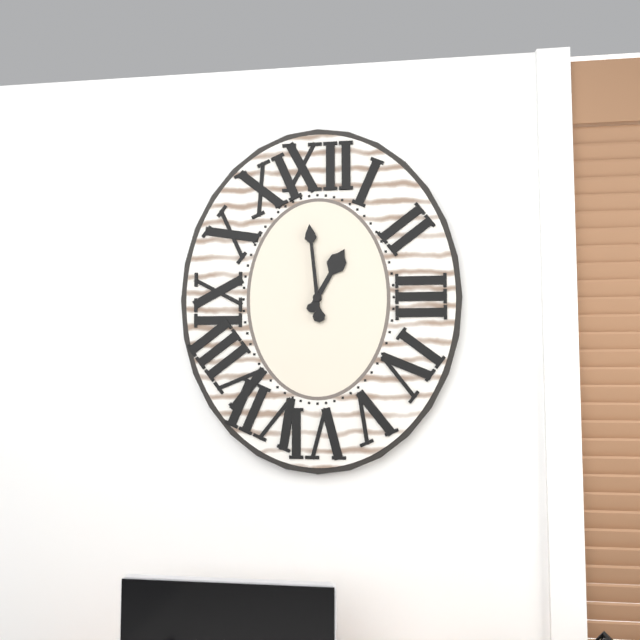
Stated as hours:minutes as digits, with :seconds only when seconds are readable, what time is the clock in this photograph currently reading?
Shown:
12:59
